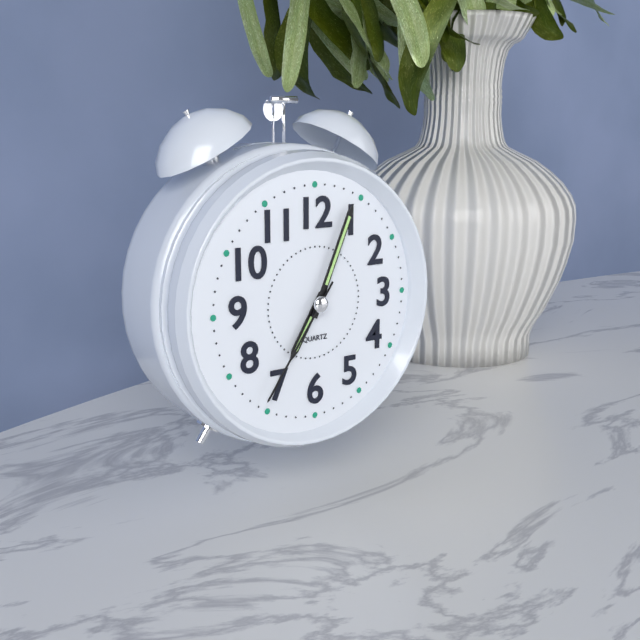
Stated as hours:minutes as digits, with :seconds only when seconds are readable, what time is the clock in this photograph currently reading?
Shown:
7:04:36
